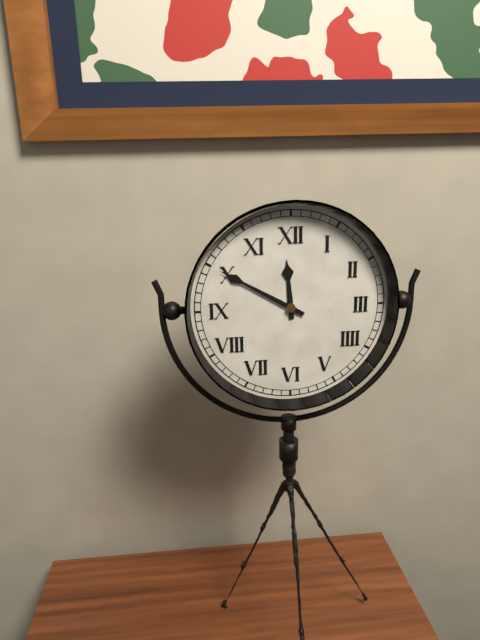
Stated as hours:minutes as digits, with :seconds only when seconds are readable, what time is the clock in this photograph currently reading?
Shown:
11:50
